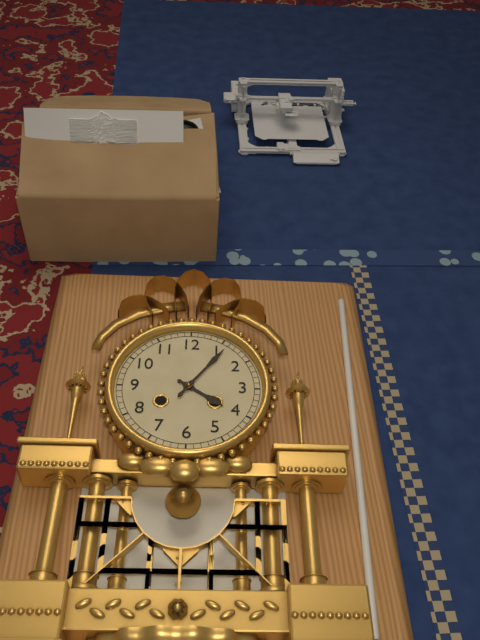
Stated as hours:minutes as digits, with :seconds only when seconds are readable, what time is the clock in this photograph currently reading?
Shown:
4:06
